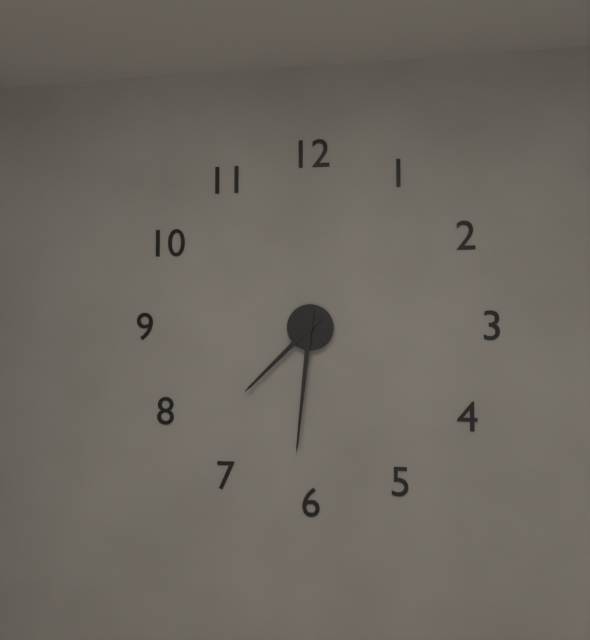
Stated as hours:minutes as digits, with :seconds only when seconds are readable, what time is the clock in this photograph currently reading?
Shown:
7:31
